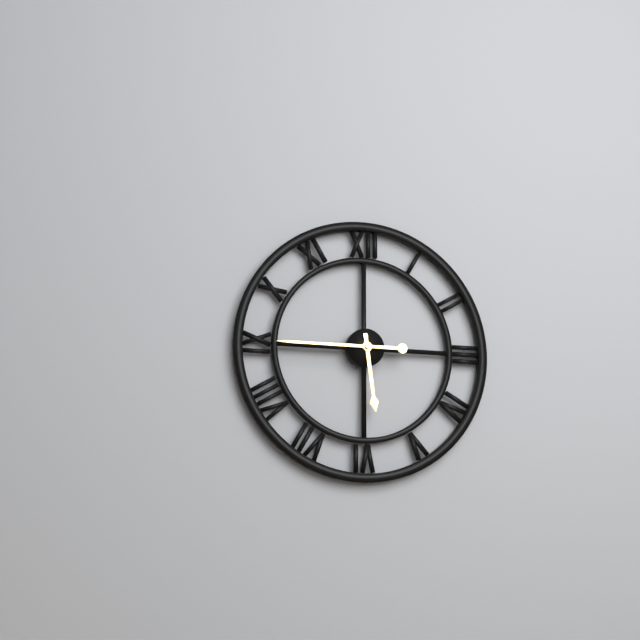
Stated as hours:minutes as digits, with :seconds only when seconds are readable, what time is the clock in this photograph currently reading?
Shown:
5:45
